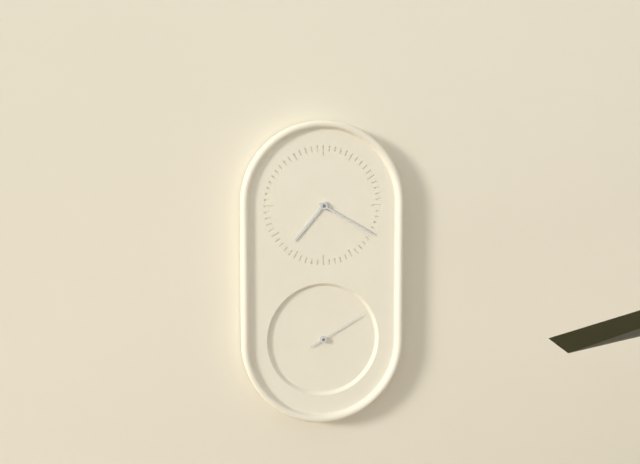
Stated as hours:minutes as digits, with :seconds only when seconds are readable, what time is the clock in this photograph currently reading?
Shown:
7:20:10
